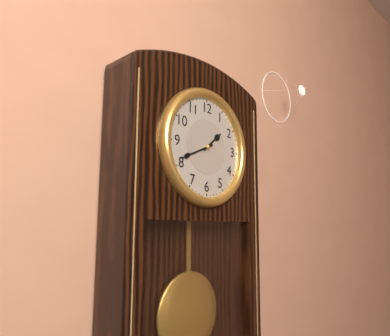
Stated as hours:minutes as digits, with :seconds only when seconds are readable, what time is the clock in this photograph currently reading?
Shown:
1:41
